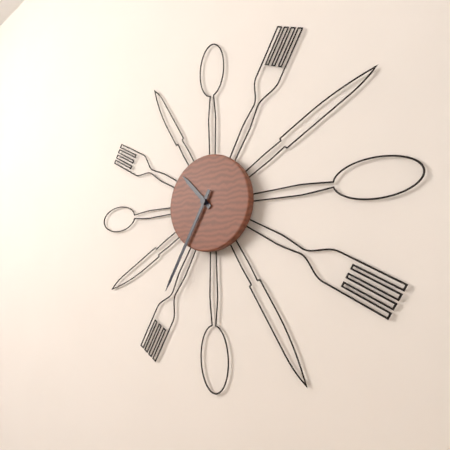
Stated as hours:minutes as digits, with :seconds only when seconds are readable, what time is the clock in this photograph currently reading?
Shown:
10:35
